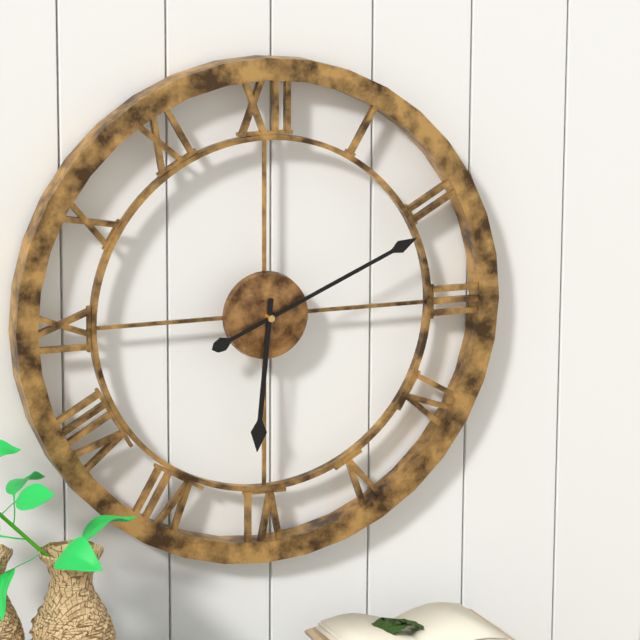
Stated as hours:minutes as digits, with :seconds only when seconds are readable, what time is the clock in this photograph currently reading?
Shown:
6:11
